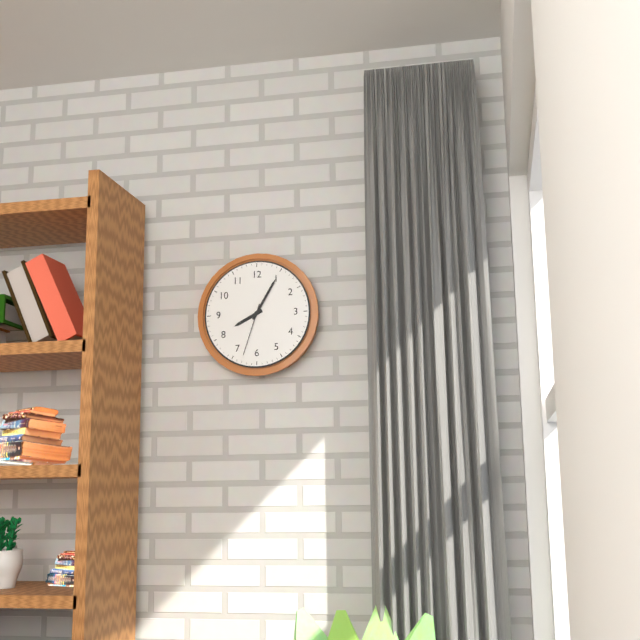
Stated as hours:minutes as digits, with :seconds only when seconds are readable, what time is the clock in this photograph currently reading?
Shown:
8:05:33
